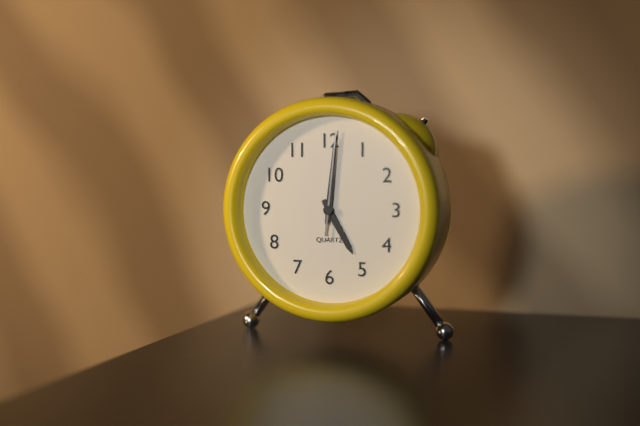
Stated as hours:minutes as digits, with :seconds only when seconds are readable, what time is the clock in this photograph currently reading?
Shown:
5:01:01
